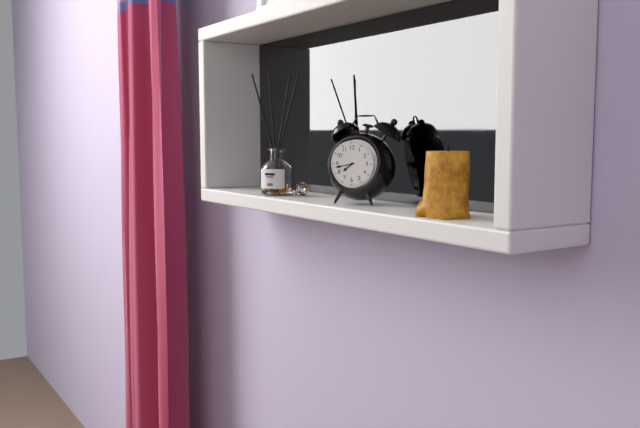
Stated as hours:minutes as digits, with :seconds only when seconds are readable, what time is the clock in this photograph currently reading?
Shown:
7:43
